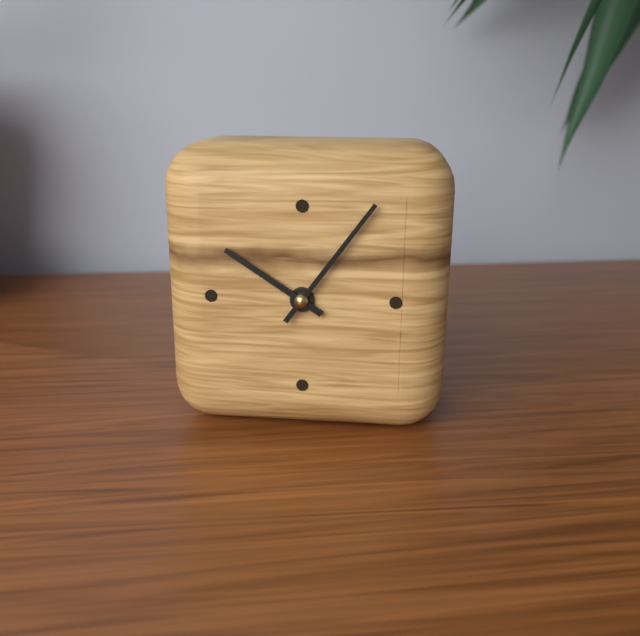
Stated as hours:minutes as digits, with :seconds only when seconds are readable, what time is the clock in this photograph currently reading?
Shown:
10:06
